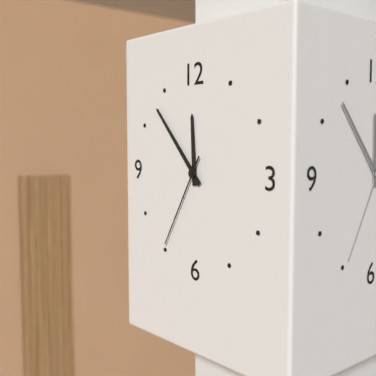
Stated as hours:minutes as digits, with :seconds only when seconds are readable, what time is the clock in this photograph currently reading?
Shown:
11:53:35
